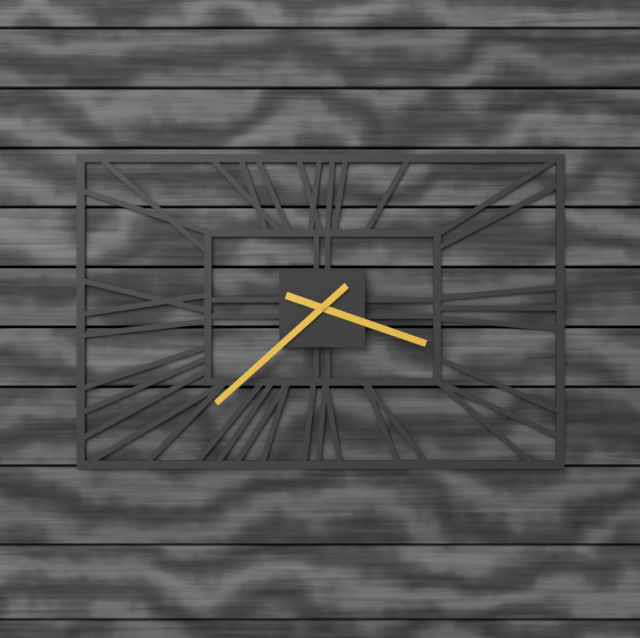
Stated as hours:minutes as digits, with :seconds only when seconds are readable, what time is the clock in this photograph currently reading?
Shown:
3:38
